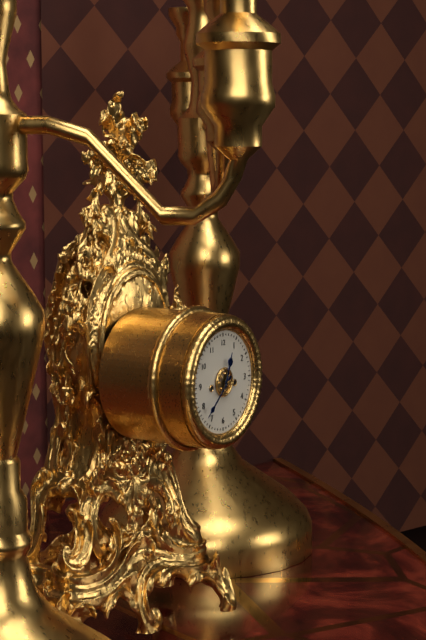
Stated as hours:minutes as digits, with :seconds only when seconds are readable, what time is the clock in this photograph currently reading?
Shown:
12:38
